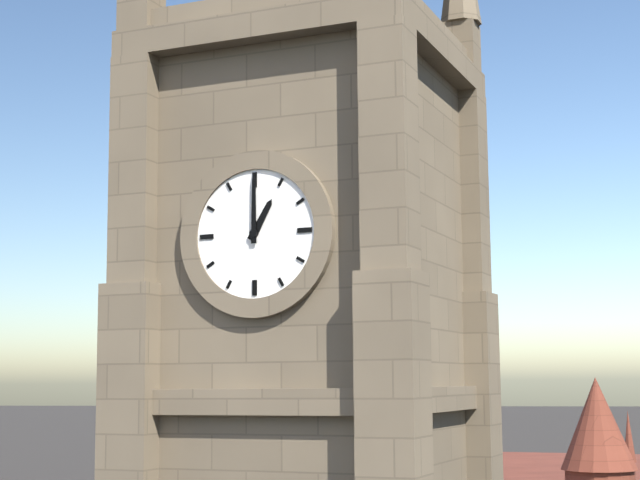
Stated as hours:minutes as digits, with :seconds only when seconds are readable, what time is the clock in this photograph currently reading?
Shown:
1:00
